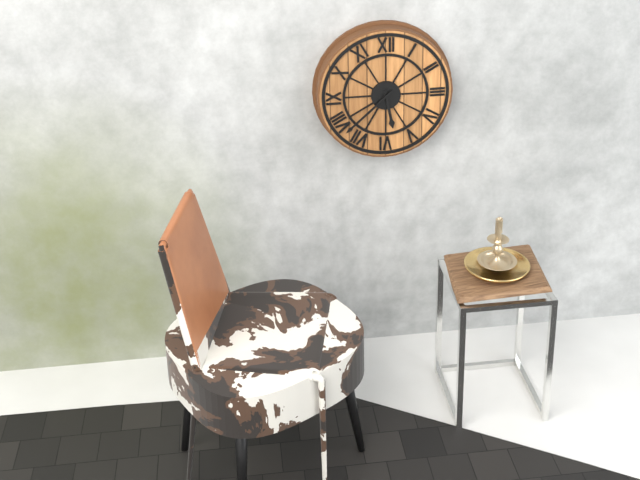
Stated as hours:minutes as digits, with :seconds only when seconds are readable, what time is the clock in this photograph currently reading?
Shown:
5:38
